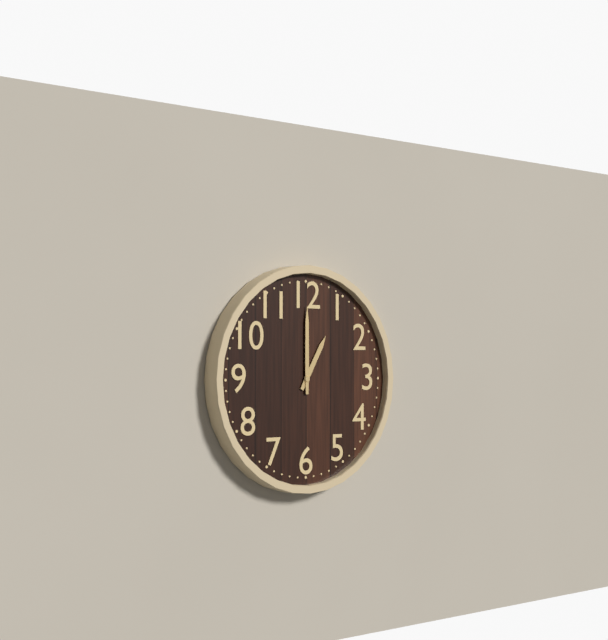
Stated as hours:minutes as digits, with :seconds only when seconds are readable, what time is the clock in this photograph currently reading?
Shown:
1:00
